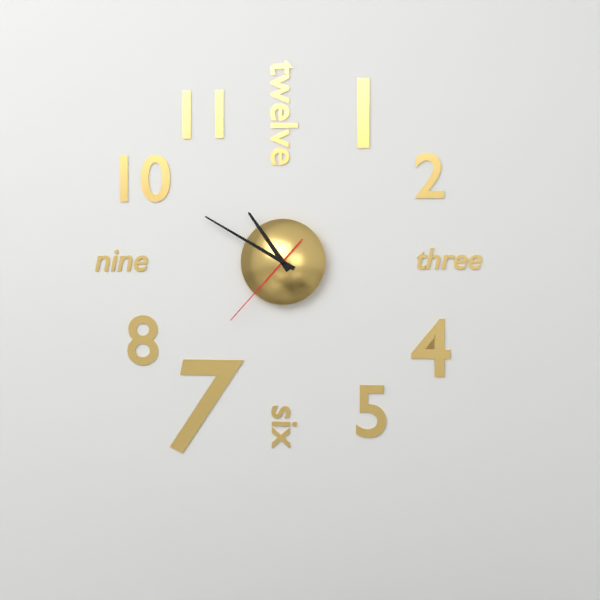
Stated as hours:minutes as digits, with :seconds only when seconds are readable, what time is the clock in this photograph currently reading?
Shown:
10:50:37
